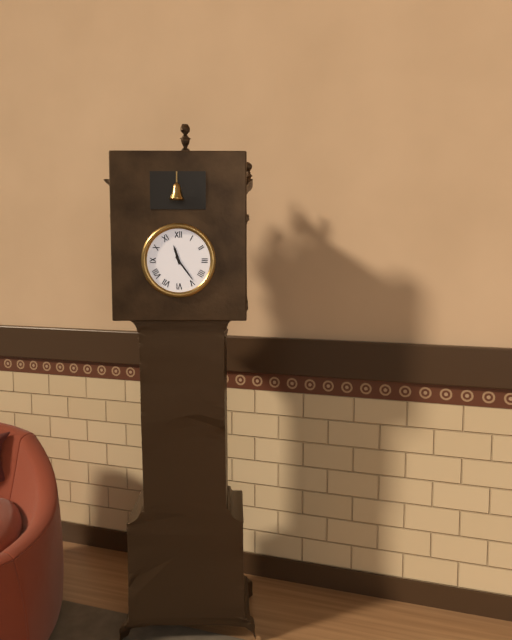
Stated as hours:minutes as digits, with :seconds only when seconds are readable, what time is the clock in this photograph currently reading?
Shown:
11:24
